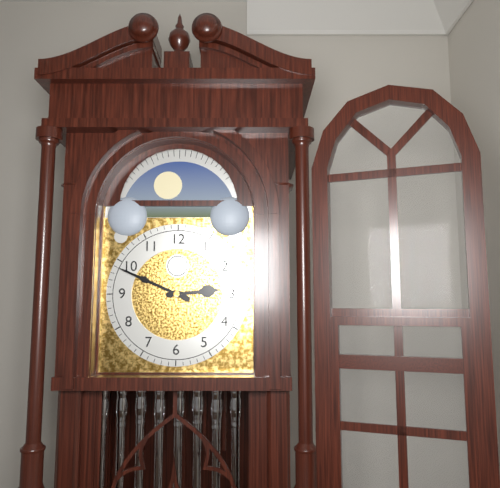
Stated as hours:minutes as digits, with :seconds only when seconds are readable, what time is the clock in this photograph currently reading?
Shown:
2:49
